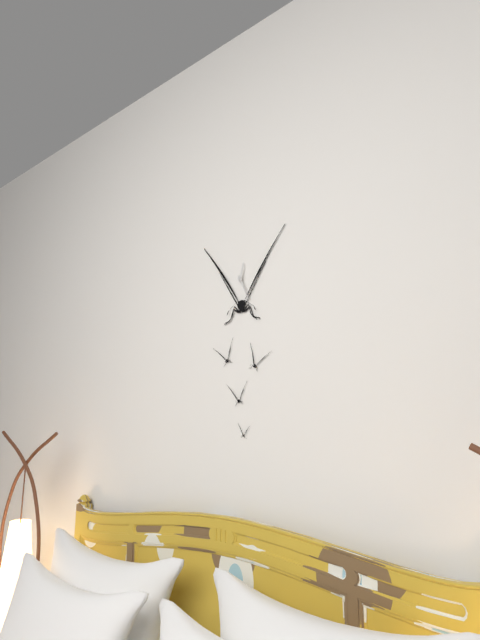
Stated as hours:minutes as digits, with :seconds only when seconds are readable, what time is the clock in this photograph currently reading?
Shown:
12:26
